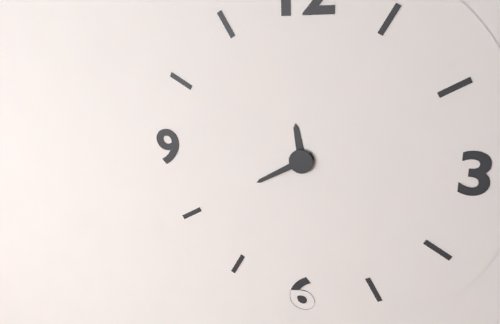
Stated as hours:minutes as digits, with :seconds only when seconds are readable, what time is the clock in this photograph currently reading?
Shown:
11:40
